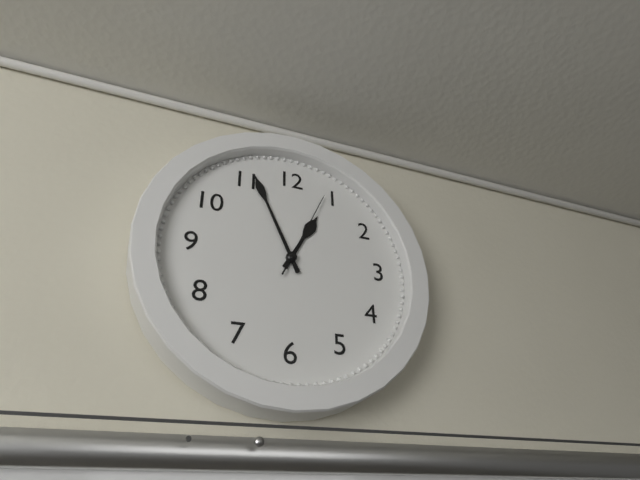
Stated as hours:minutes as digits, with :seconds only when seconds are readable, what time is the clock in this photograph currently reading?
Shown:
12:56:04
